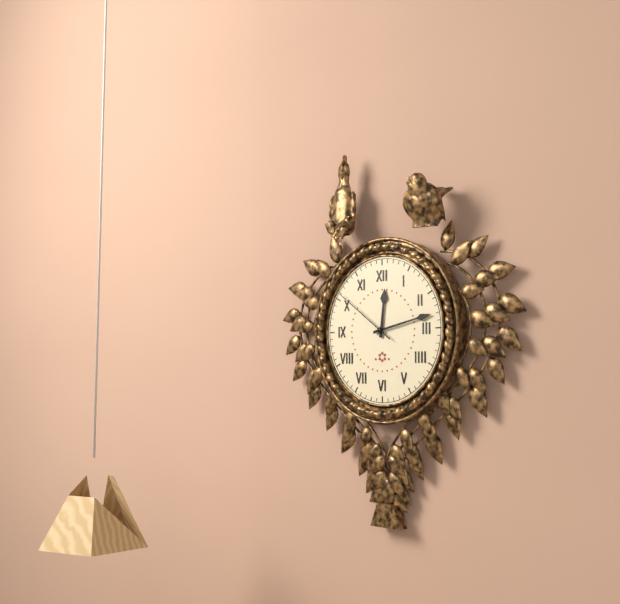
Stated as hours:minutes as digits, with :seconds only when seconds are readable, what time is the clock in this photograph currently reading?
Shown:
12:13:51
